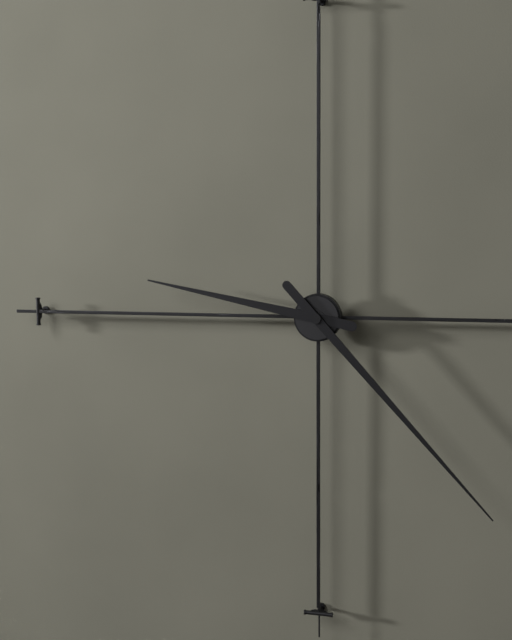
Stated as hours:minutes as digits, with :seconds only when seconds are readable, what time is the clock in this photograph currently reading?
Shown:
9:23
